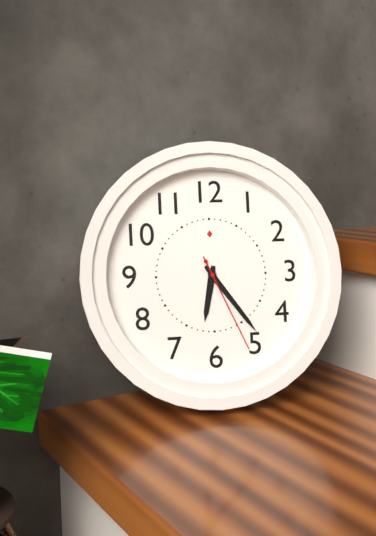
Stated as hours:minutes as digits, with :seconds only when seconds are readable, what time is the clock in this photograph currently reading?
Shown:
6:24:26
